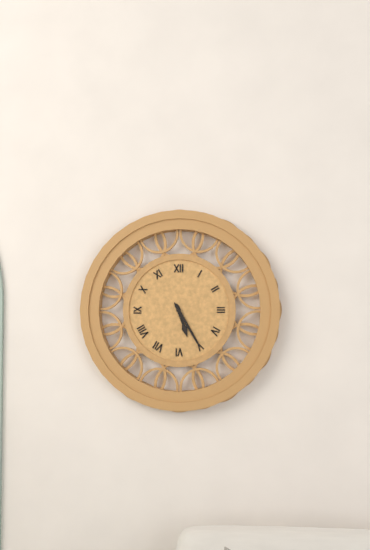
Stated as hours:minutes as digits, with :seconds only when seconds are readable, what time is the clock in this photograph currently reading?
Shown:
5:25
